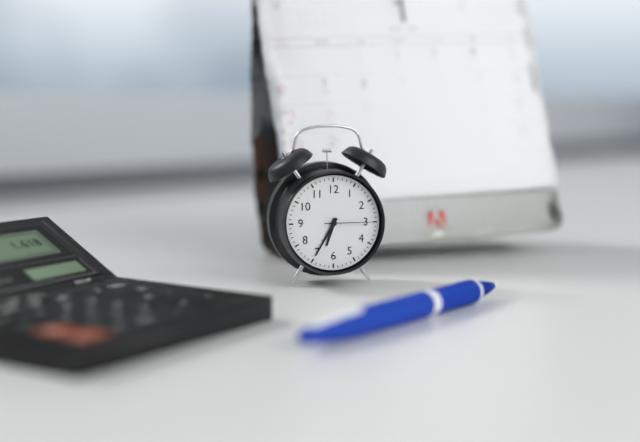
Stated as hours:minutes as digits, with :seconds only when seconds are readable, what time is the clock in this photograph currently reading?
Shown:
6:35
